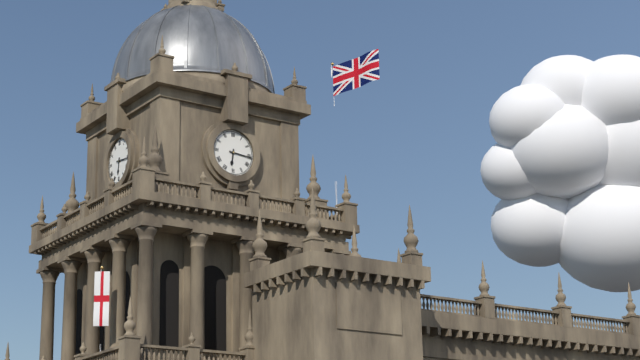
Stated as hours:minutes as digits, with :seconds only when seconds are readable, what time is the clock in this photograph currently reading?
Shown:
6:16
